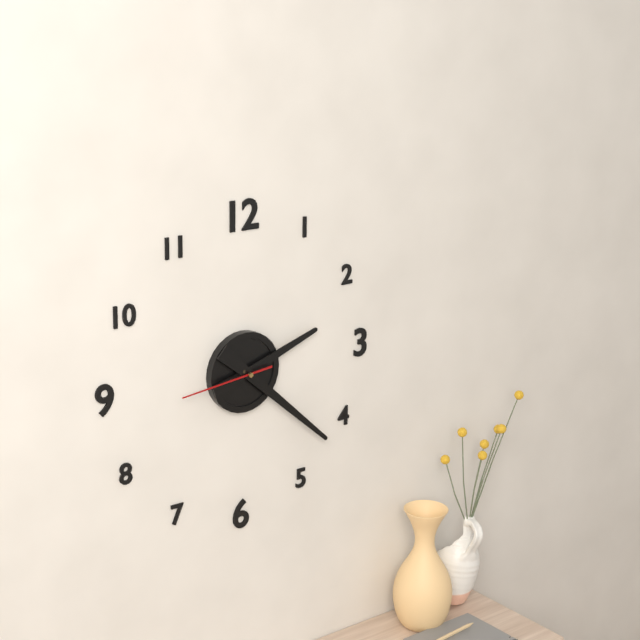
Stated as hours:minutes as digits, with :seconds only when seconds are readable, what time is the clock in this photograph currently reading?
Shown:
2:22:44
